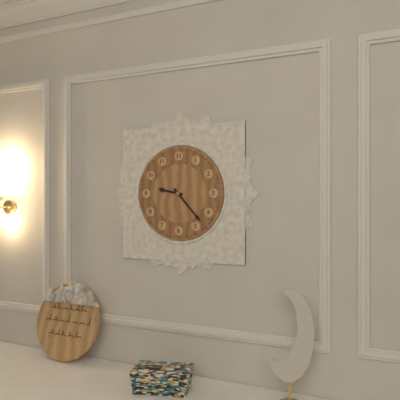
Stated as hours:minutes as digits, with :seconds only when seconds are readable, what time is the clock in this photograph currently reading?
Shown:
9:23
